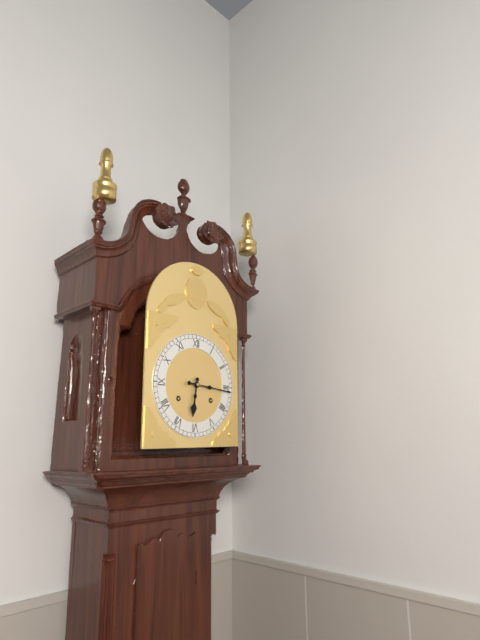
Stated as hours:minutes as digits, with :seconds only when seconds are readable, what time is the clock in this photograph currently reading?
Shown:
6:16
